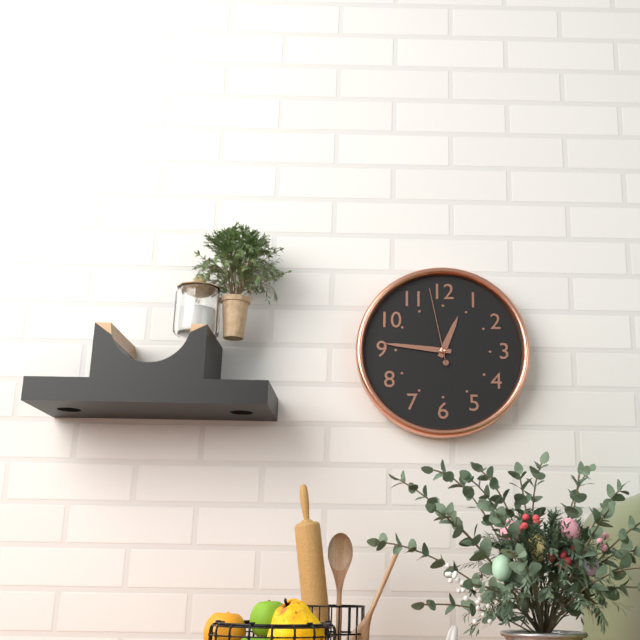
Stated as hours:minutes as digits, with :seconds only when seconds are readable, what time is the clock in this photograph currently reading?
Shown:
12:46:58
